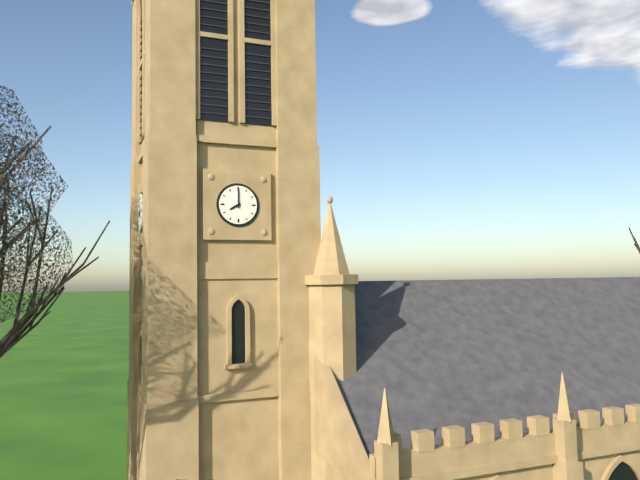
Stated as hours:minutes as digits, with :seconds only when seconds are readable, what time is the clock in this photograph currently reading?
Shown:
8:00
